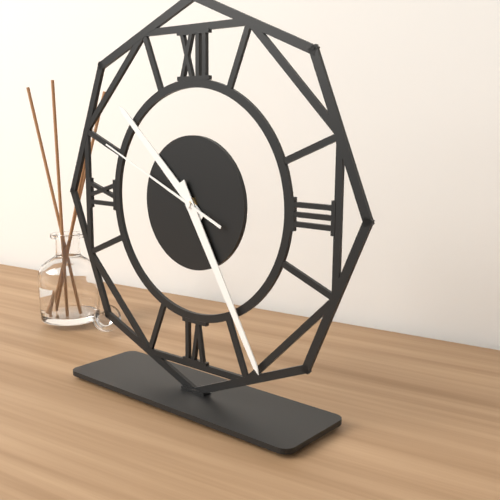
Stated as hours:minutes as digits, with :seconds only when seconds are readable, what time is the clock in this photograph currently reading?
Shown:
10:25:49
